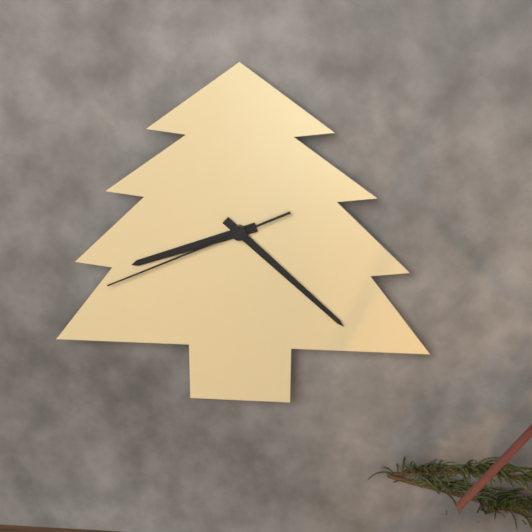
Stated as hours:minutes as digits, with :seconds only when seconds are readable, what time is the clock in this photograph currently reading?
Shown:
8:22:41
